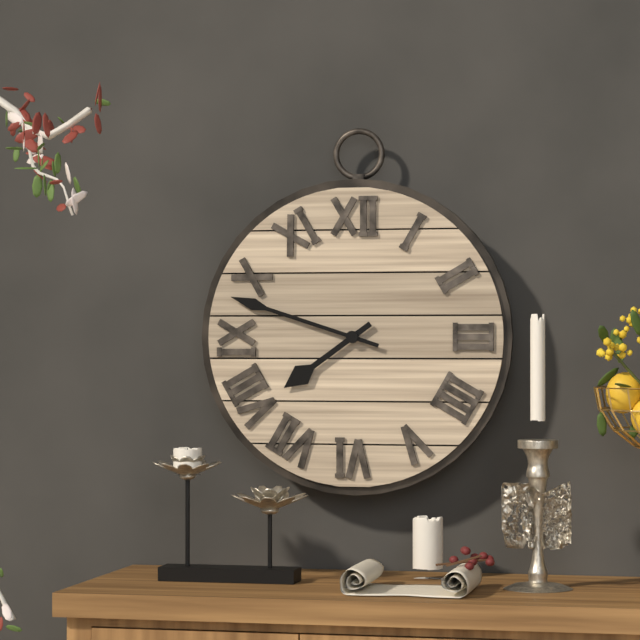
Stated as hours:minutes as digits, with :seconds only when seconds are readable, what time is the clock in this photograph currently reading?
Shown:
7:48
